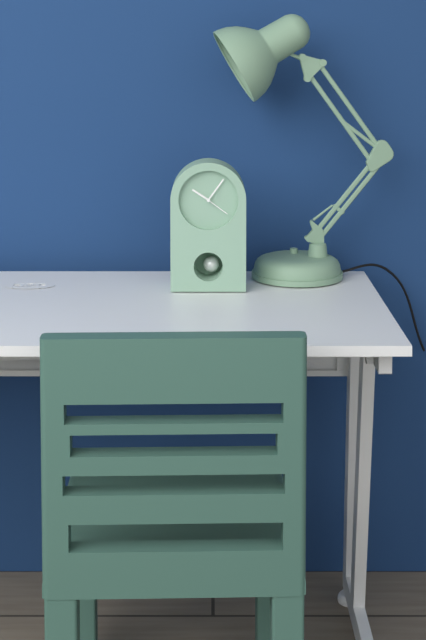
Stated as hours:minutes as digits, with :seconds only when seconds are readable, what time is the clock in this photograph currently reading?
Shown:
10:06
